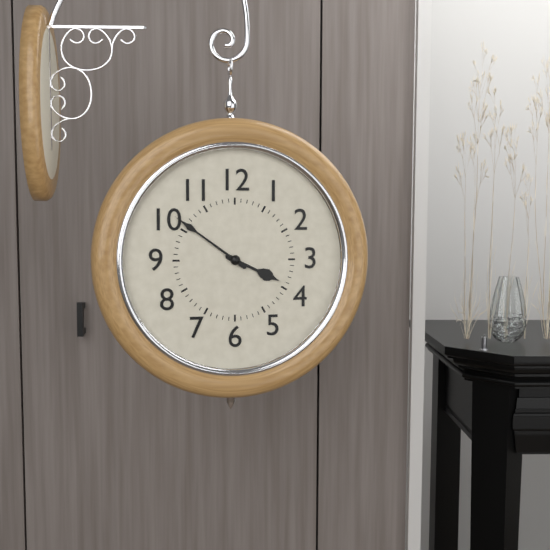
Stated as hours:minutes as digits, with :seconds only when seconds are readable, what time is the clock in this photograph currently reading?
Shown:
3:51
